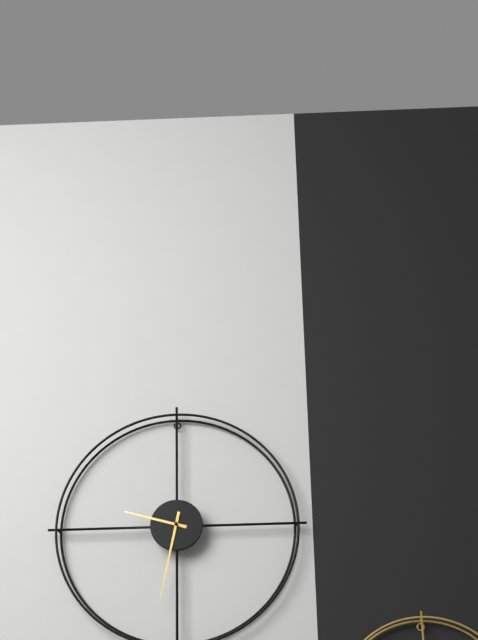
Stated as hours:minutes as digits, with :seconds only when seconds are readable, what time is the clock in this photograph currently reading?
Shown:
9:32
